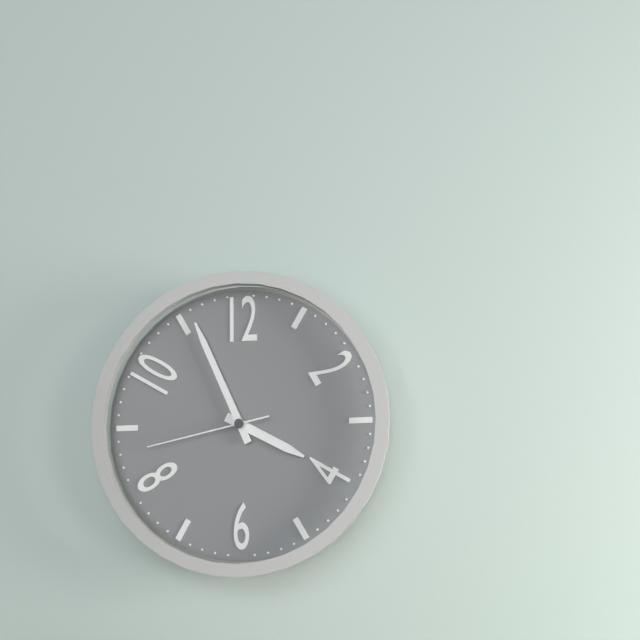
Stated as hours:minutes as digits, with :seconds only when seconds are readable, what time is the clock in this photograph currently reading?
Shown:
3:56:43
